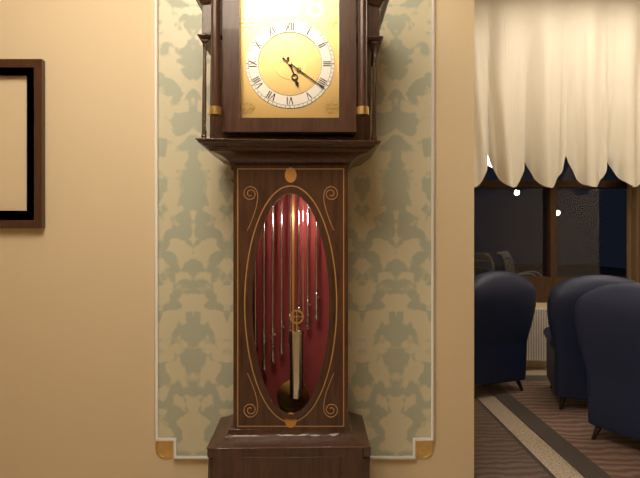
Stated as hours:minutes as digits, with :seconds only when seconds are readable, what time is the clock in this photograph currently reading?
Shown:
5:21
